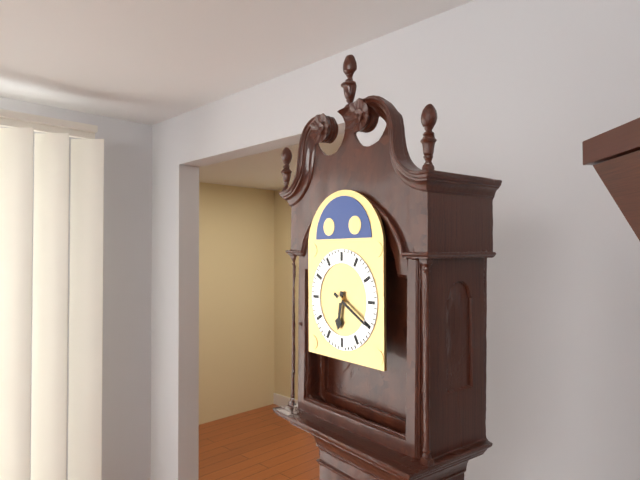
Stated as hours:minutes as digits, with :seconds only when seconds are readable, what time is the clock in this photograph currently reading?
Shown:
6:20
